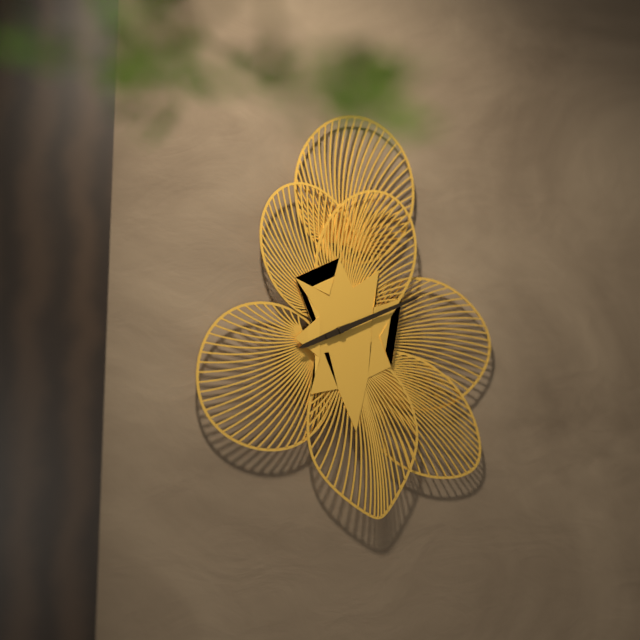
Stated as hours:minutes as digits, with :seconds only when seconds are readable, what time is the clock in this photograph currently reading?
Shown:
8:11
